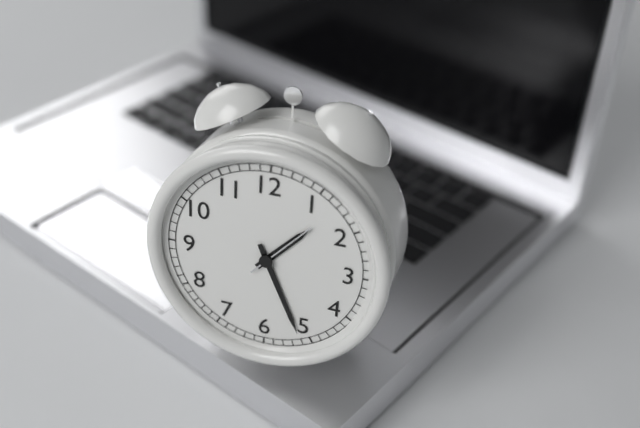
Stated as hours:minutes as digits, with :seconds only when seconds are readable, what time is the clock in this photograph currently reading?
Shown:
1:26:07
